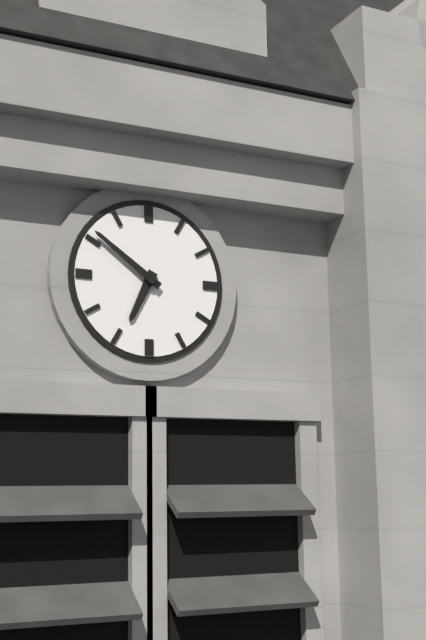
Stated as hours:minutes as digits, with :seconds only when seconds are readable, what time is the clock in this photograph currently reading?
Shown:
6:51
